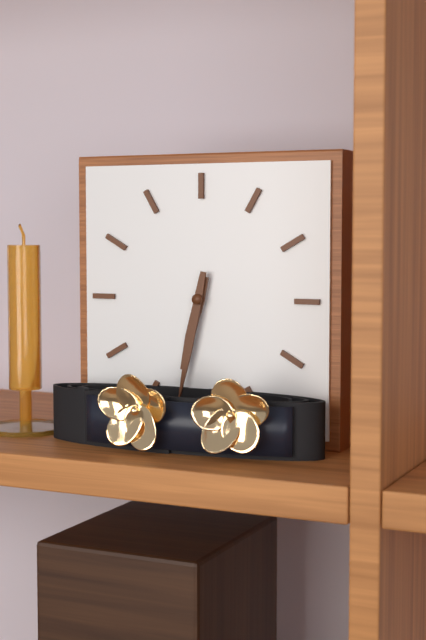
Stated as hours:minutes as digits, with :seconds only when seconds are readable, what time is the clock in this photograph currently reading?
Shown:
6:32
